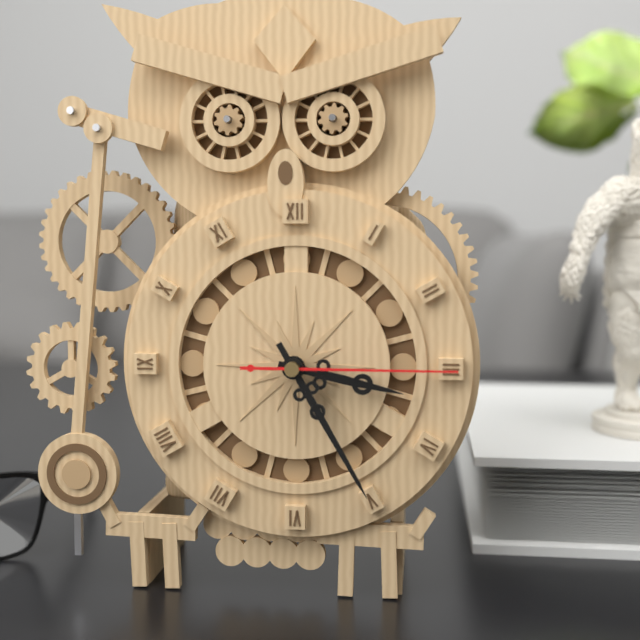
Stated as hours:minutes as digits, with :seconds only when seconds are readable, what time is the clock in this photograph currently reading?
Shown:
3:25:15
